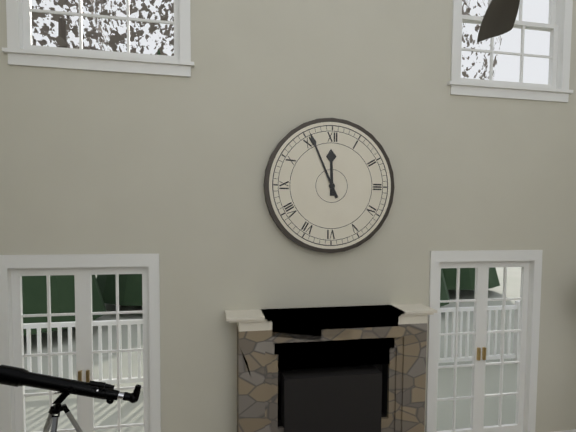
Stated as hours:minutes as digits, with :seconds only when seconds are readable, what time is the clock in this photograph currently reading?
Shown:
11:56
